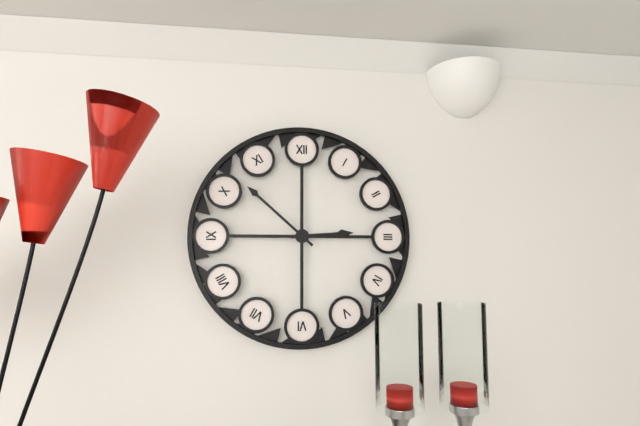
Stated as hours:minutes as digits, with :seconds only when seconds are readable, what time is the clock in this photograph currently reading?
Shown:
2:52
